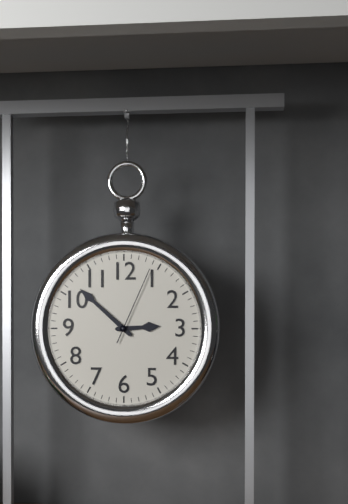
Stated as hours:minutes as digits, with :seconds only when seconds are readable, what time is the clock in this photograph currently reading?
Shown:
2:52:04
